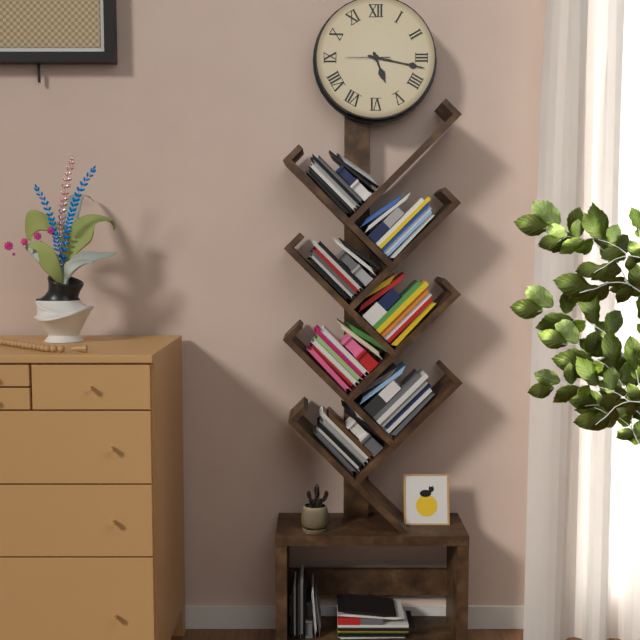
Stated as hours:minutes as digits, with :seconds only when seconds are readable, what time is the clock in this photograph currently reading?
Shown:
5:17
